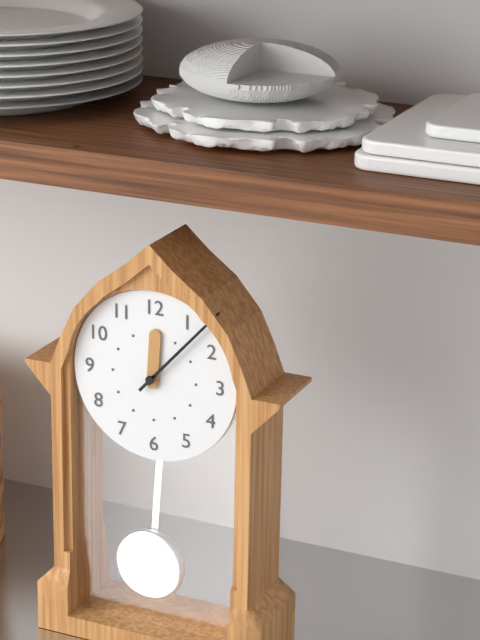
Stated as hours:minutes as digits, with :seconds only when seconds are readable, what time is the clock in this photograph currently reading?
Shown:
12:07
